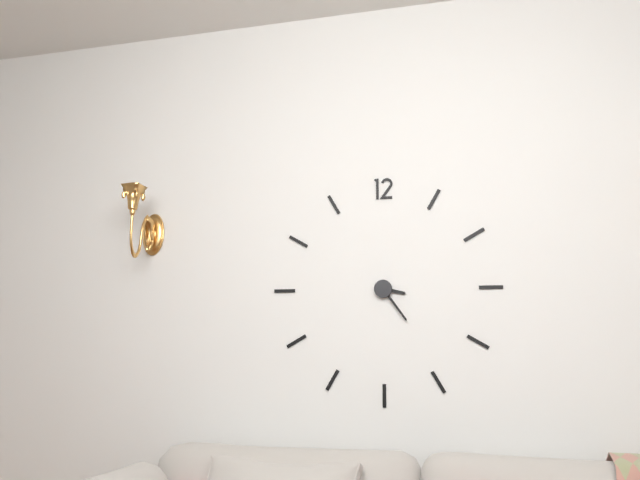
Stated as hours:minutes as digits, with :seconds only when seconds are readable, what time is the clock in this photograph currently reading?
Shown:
3:24
